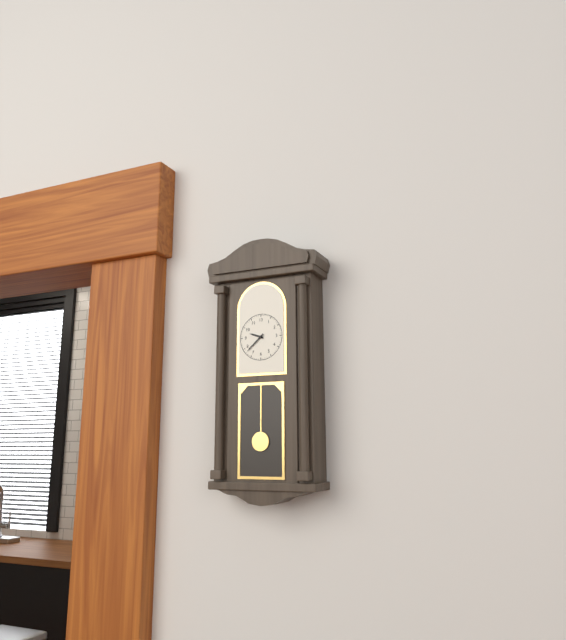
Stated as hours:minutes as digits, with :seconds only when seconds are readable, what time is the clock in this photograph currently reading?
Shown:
9:38
